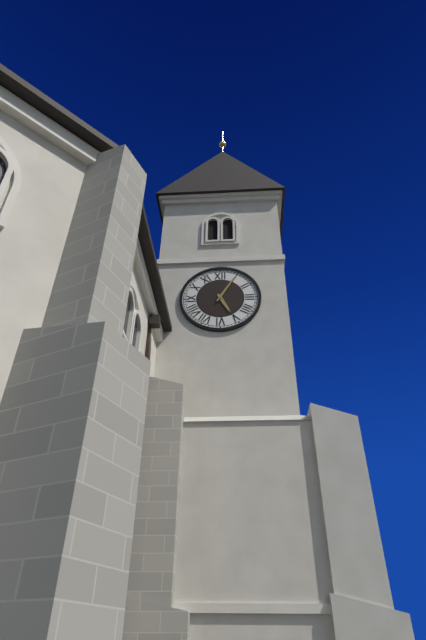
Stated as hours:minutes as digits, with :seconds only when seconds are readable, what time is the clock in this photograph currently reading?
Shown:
5:05
